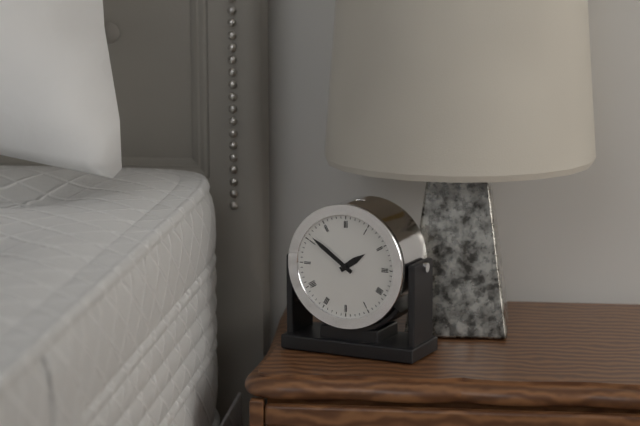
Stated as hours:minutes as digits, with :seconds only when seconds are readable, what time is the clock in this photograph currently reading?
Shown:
1:51
